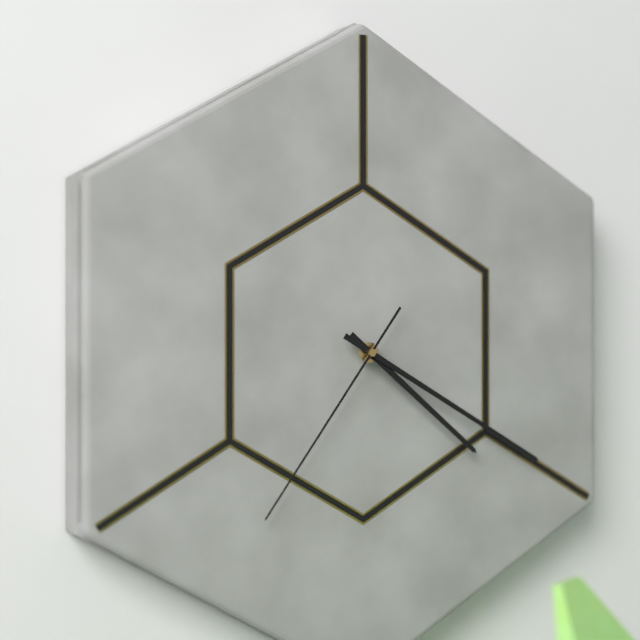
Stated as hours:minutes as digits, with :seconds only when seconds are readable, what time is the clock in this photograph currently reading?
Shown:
4:20:36
